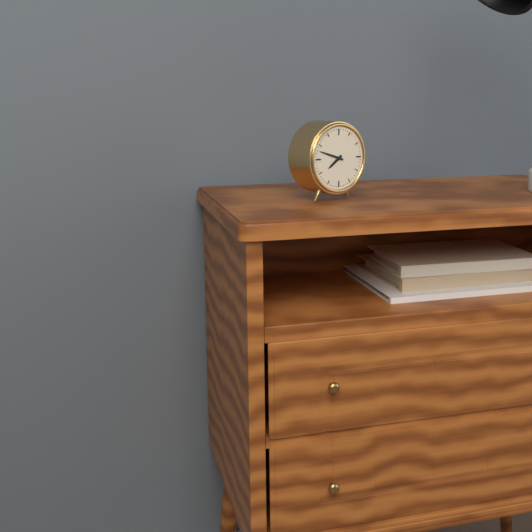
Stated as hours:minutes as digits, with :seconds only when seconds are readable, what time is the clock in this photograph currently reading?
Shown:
7:48
